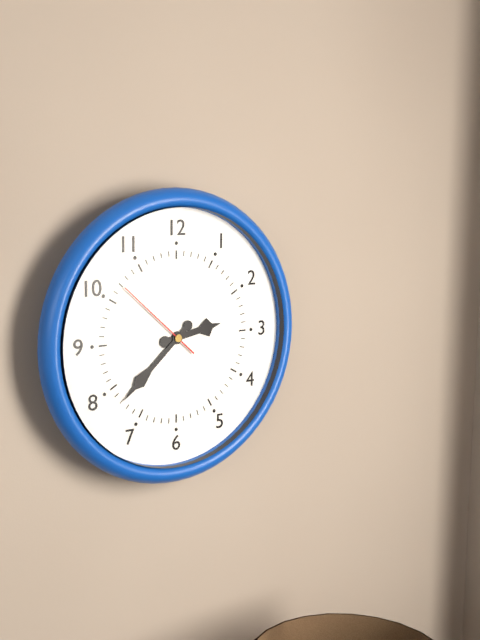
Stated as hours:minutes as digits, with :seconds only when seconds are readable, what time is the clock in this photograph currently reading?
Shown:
2:38:52
